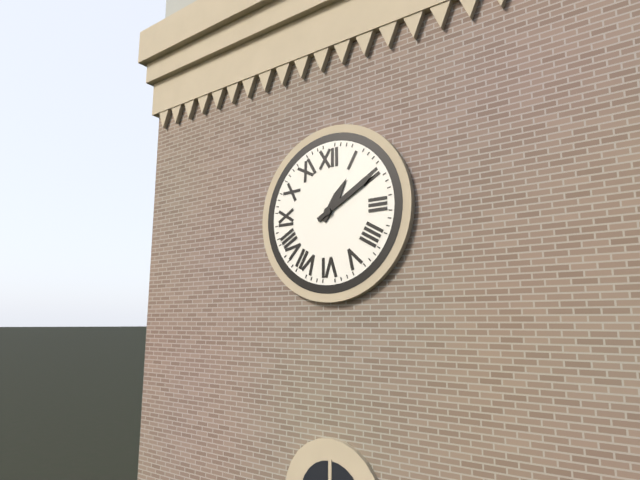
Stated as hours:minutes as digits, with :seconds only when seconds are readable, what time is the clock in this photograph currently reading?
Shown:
1:10
